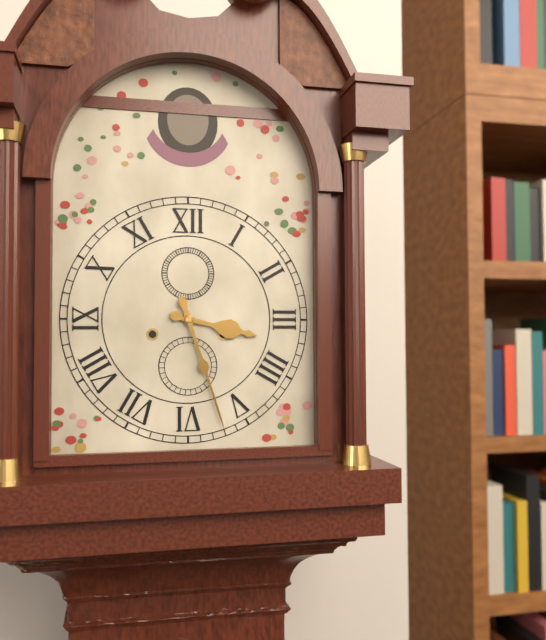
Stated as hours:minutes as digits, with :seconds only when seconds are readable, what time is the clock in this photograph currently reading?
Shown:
3:27
